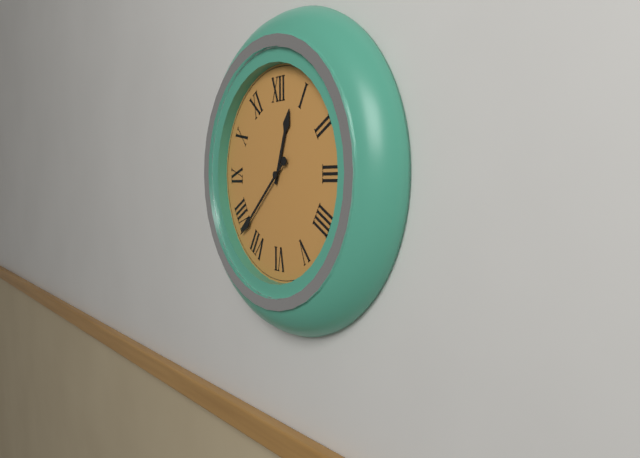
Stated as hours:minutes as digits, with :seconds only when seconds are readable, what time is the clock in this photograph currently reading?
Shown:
12:38
